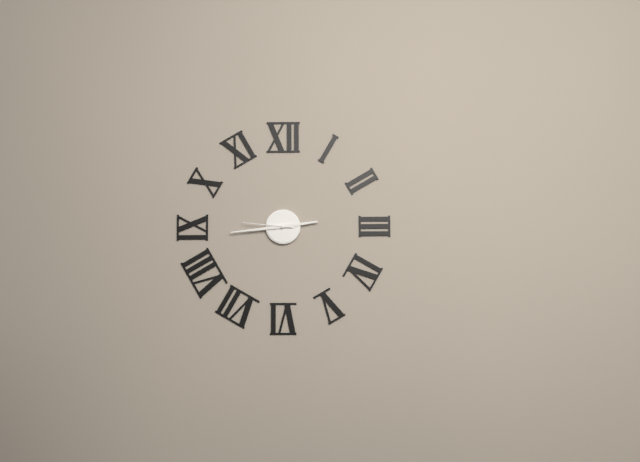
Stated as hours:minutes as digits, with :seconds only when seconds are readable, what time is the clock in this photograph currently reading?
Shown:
2:44:46
